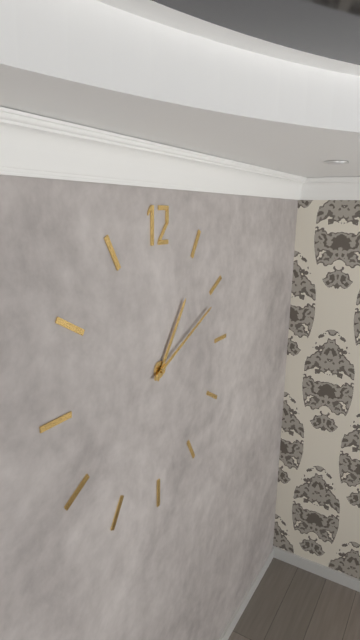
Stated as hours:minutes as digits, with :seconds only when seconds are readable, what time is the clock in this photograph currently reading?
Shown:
1:11
